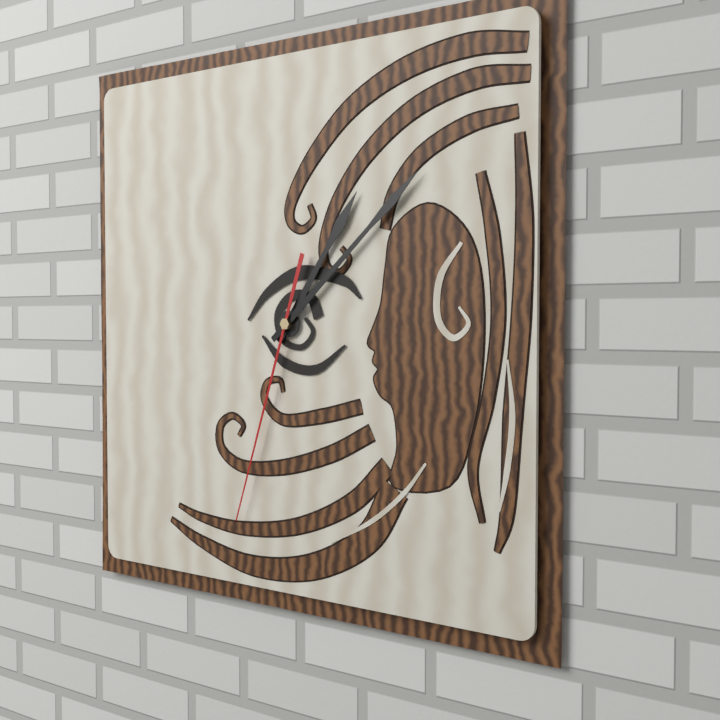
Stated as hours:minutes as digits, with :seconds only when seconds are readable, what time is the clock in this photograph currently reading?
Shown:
1:08:33
